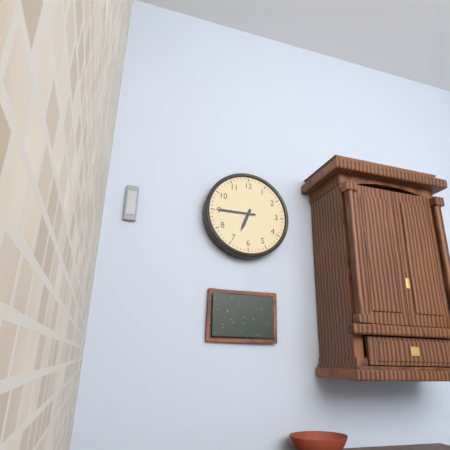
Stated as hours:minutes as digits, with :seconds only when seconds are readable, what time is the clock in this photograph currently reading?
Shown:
6:45
